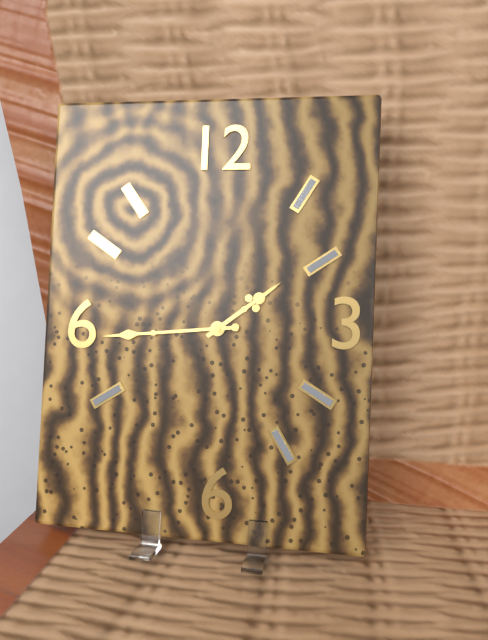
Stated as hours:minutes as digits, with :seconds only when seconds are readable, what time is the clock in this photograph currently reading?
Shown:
1:44
